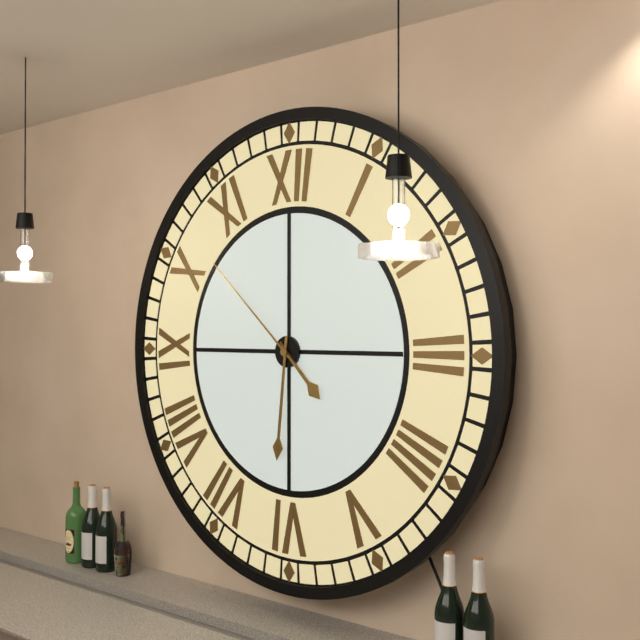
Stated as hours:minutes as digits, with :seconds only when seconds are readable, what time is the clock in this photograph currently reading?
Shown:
4:31:52
